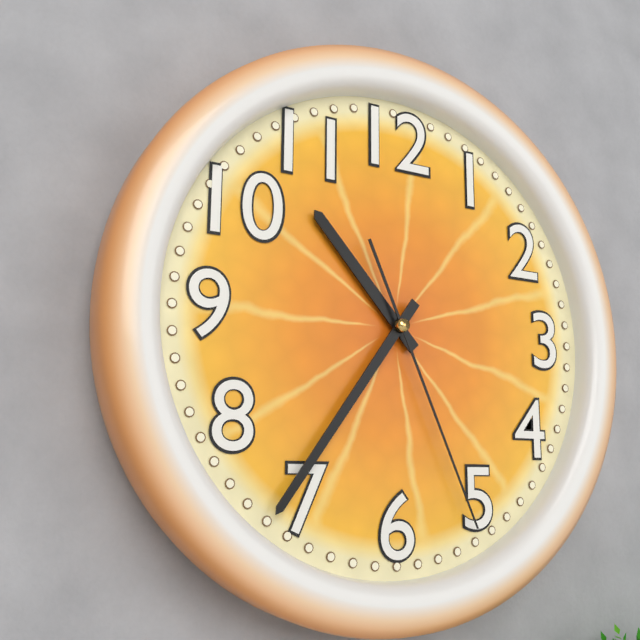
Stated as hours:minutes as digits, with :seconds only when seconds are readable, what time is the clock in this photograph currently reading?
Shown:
10:36:26
